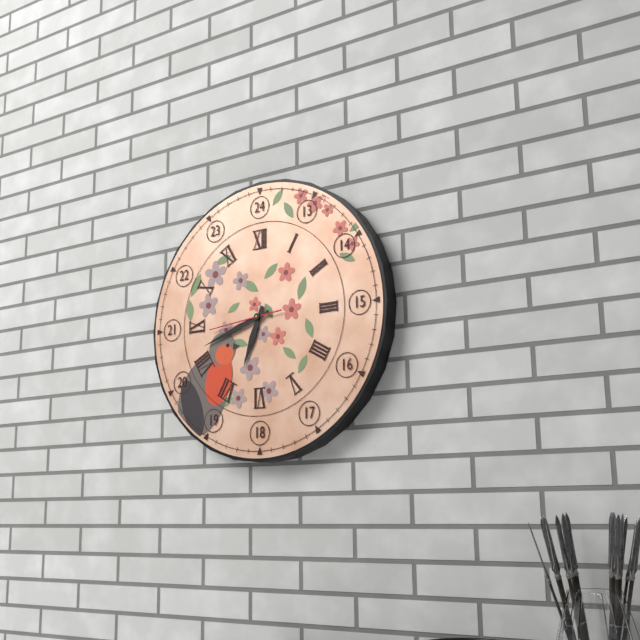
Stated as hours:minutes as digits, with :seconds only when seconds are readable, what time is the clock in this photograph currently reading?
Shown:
6:42:44
